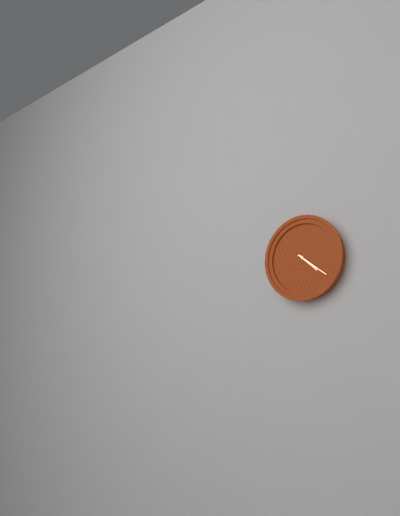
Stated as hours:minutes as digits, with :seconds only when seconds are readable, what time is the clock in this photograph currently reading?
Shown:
4:21
